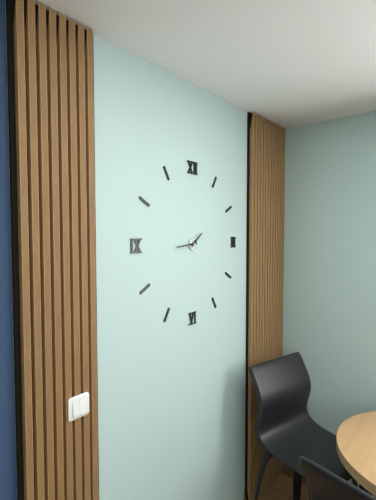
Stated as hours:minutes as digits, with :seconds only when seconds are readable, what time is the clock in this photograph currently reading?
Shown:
1:44
